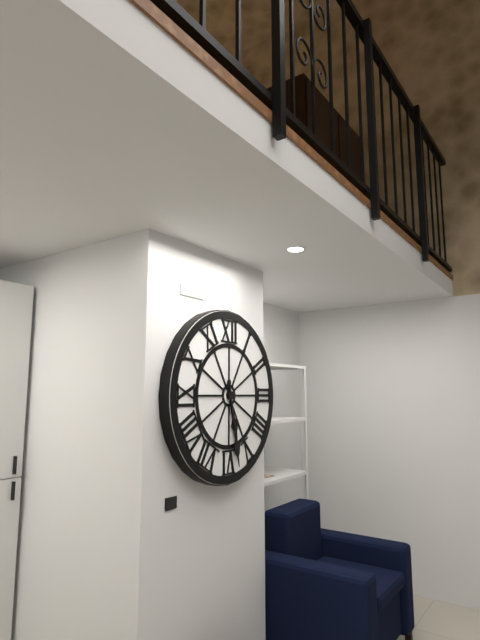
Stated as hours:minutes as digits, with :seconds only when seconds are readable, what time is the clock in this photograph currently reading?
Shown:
5:28
